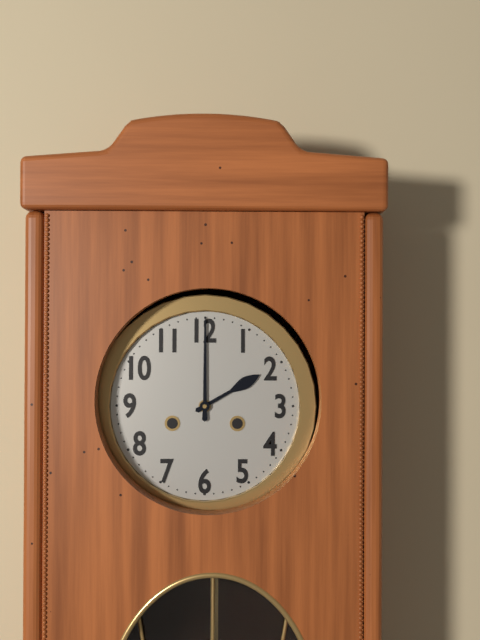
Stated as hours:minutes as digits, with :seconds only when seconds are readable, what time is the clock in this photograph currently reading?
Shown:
2:00
